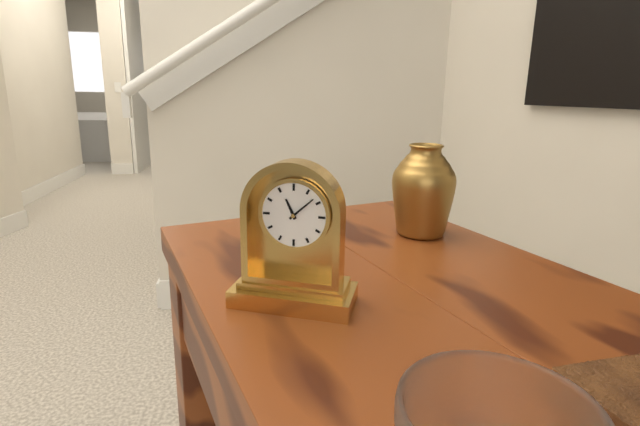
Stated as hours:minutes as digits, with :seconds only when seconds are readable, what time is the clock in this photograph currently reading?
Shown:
11:08
